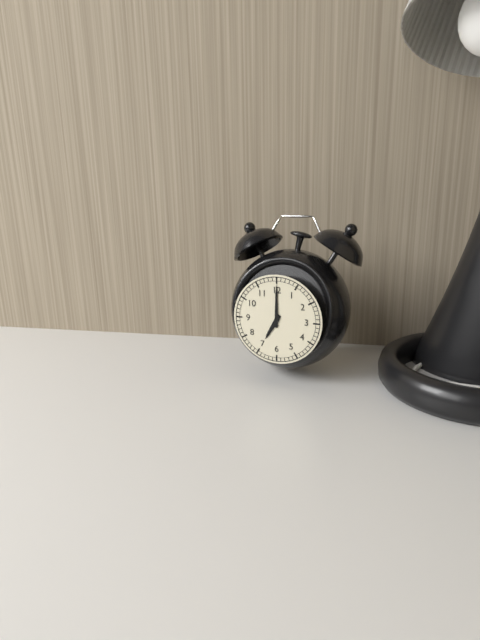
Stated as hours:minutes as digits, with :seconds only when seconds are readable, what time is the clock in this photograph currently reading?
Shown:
7:00
